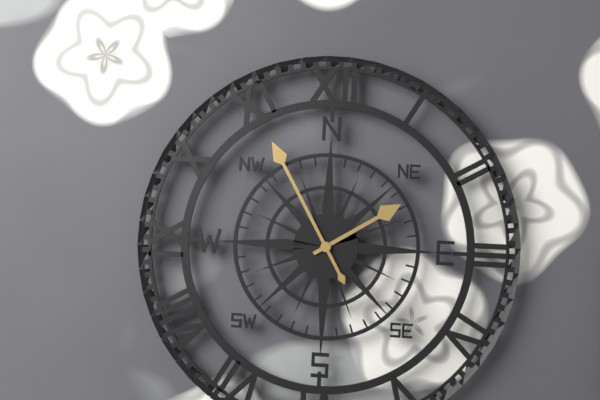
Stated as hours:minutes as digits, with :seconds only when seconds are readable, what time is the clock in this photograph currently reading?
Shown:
1:55
